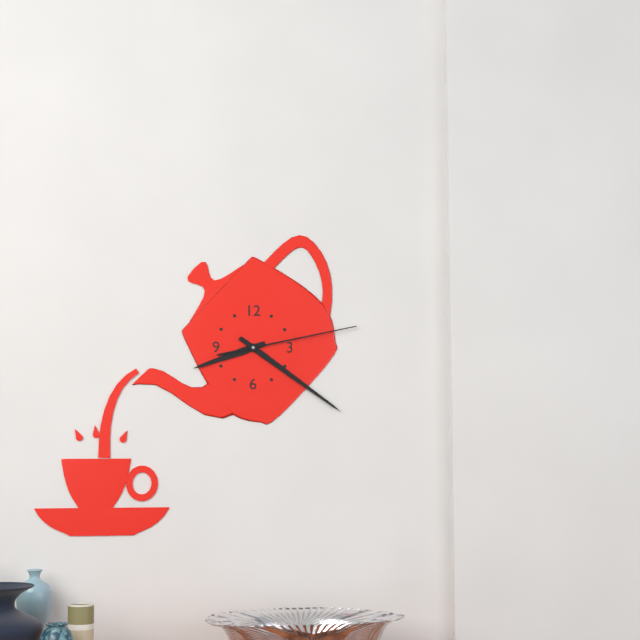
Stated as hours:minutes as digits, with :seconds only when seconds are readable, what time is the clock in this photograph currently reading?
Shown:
8:21:13
